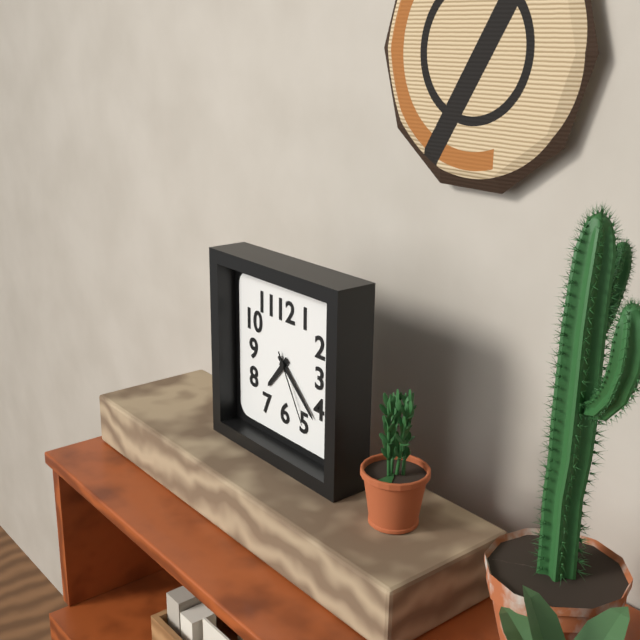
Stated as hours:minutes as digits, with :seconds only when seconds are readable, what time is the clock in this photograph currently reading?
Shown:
7:22:25
